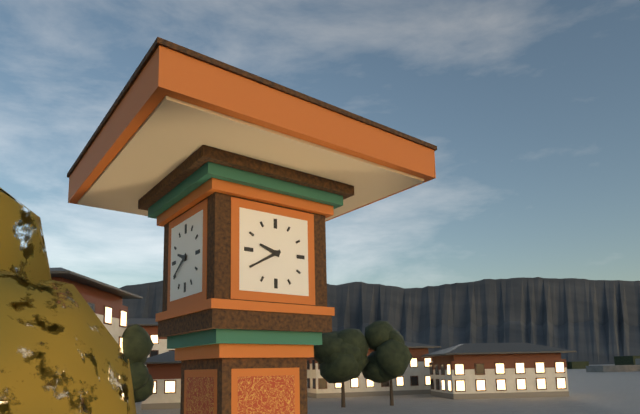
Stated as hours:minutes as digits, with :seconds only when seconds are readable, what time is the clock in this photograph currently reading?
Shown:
9:40
